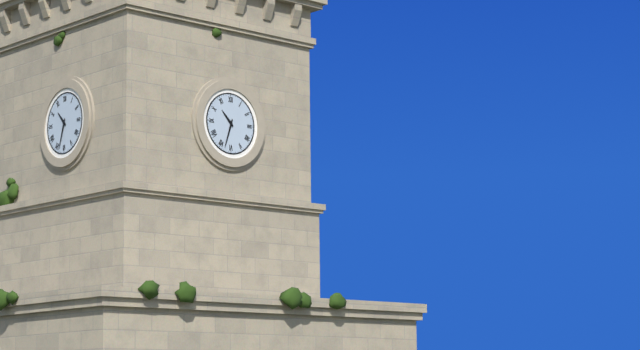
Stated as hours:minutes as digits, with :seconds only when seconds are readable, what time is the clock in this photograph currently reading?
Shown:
10:33
